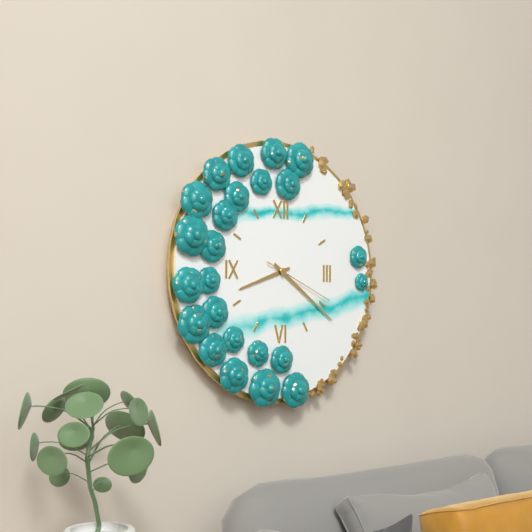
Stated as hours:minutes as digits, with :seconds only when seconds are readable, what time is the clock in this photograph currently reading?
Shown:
8:21:19
